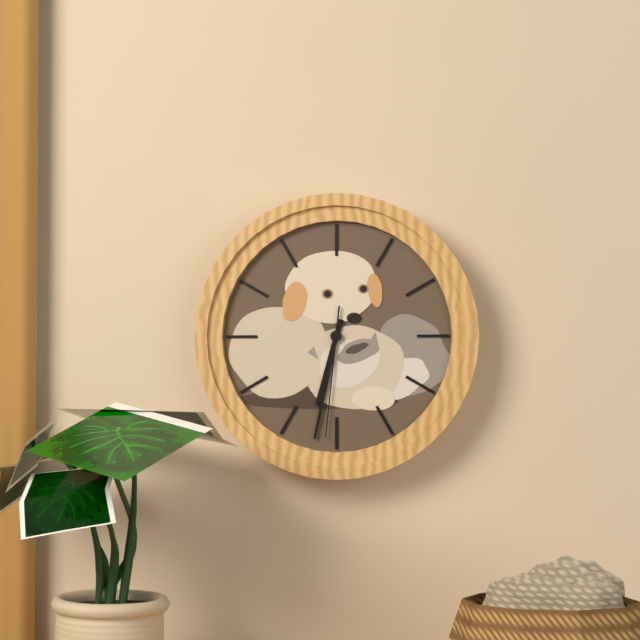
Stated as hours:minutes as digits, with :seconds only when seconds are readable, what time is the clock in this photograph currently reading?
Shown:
6:32:31
